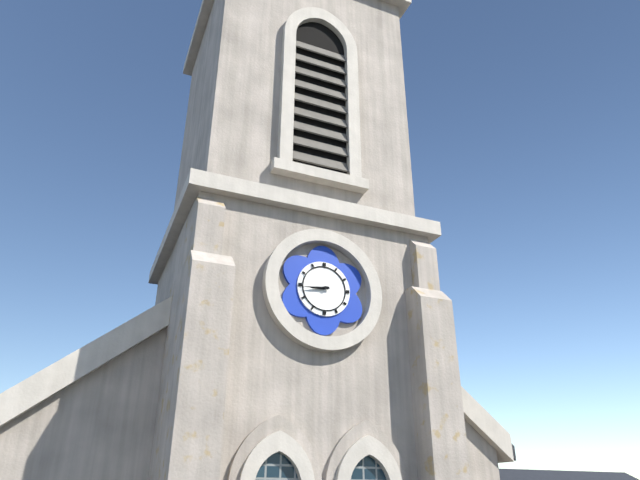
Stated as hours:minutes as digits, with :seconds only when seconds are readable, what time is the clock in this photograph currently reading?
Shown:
8:44
